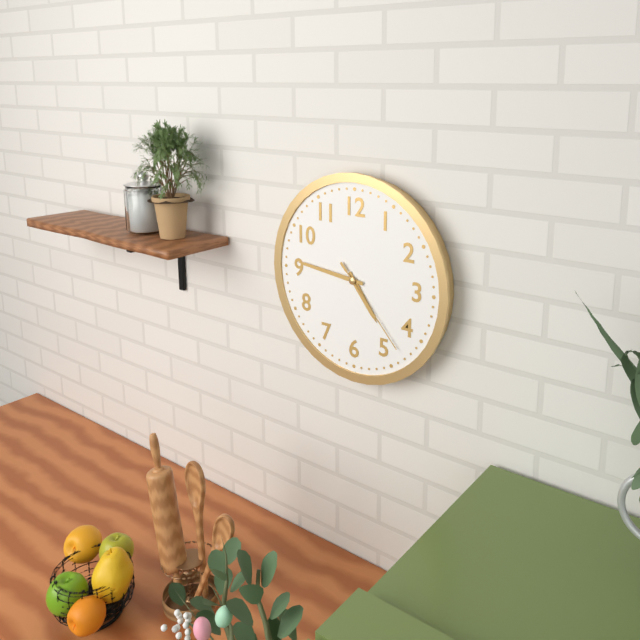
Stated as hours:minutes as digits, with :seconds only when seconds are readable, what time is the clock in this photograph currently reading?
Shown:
4:46:23
